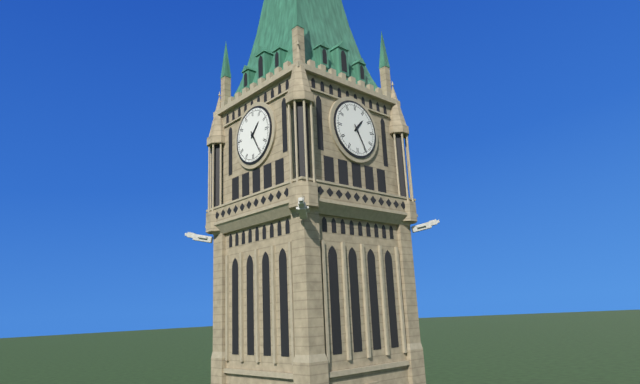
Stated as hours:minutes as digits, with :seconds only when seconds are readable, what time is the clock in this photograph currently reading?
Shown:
1:25
